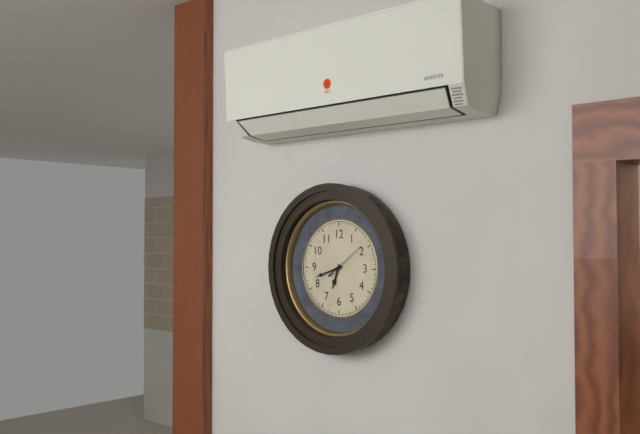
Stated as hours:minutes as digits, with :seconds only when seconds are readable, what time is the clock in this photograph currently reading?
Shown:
6:42
